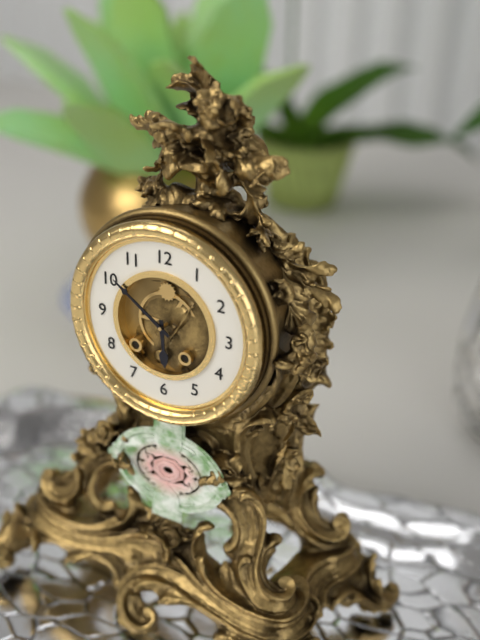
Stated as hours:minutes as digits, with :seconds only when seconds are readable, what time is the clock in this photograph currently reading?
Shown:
5:51
